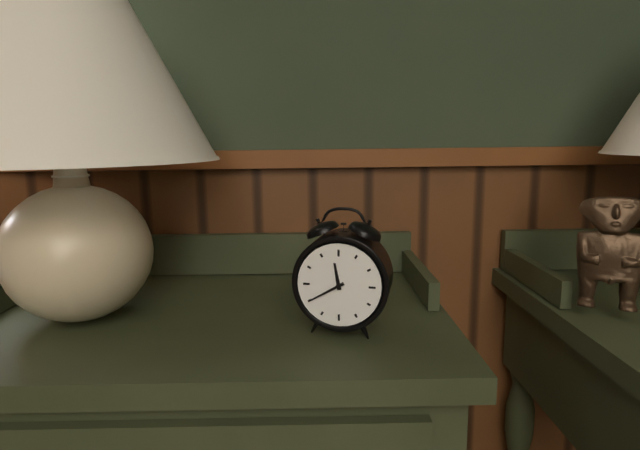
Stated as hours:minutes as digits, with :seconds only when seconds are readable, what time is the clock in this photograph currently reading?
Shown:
11:40
